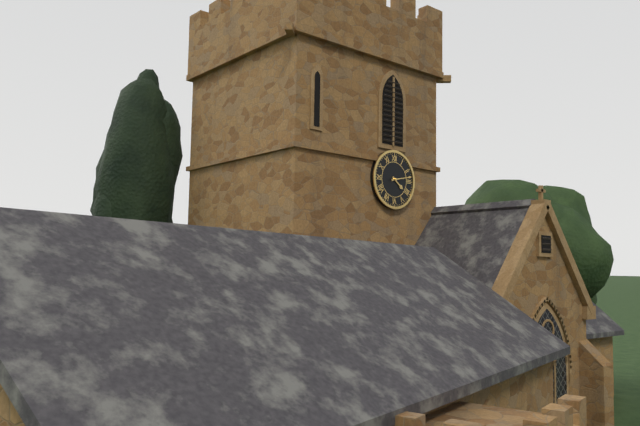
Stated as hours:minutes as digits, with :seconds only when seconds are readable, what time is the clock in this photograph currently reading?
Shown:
4:13
